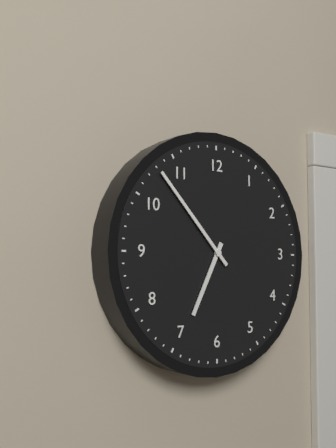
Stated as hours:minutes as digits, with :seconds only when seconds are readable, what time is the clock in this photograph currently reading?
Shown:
6:53
